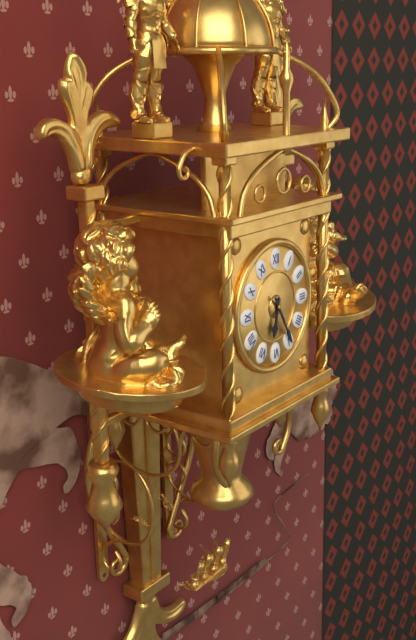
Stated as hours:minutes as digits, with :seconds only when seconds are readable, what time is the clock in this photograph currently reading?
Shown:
6:25
